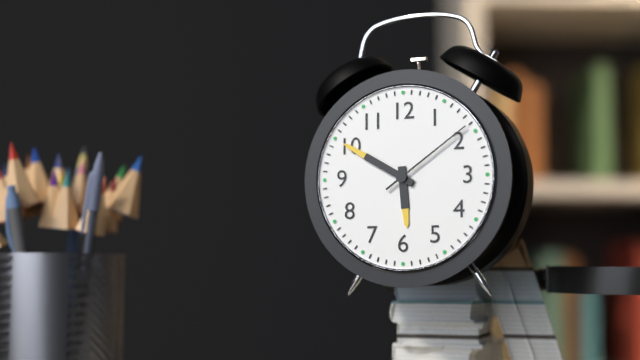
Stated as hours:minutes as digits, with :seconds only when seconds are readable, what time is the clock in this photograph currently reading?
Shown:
5:50:09
